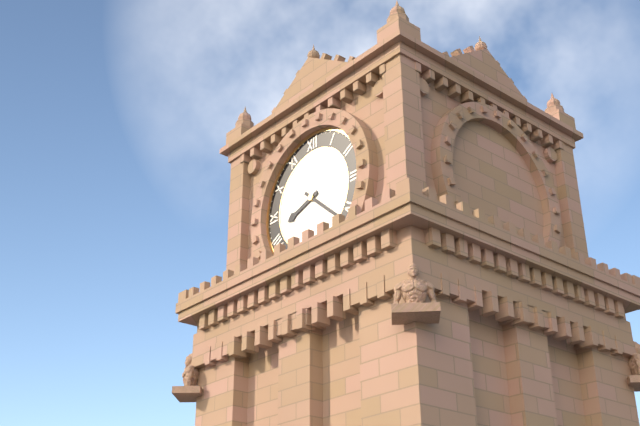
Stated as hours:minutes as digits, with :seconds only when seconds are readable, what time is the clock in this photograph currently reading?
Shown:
8:22
